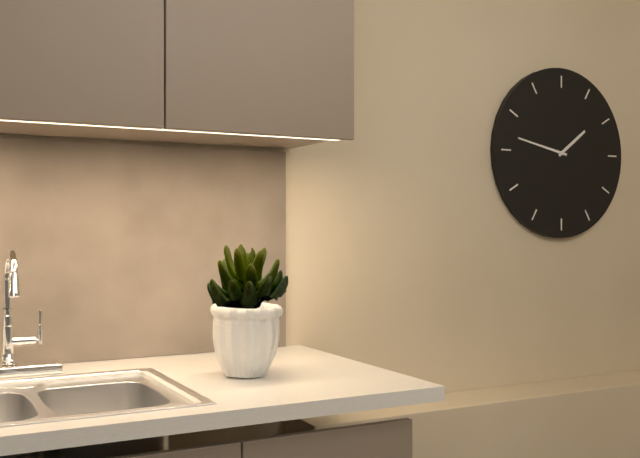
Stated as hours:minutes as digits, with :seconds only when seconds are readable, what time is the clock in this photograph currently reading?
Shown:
1:47
